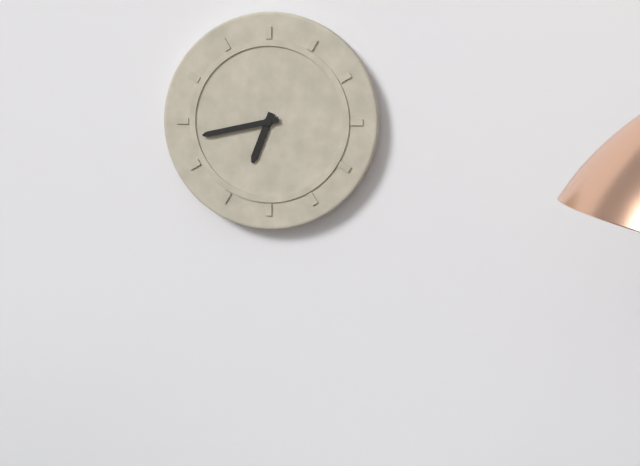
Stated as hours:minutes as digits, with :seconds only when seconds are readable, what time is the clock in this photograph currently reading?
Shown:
6:43
